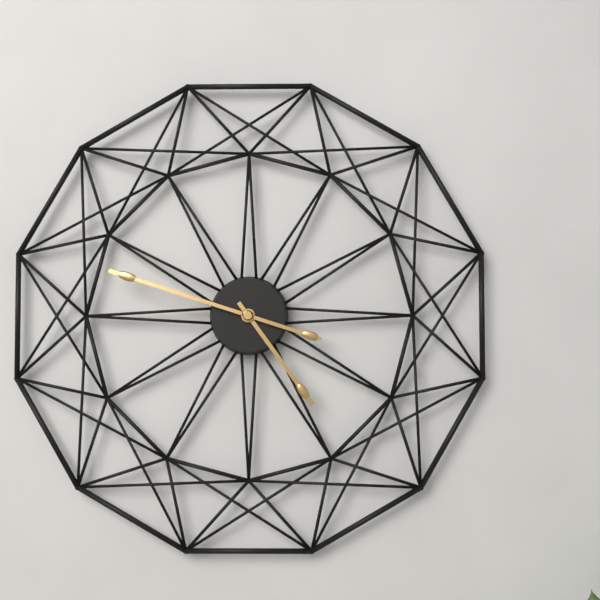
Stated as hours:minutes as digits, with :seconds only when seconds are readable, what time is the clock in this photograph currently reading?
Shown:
4:48
